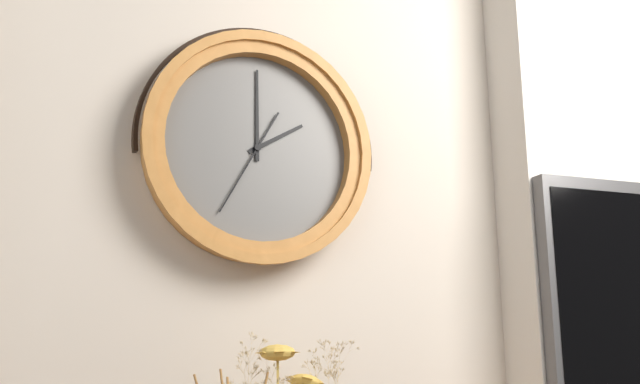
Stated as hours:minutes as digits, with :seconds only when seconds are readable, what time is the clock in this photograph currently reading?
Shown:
2:00:35
